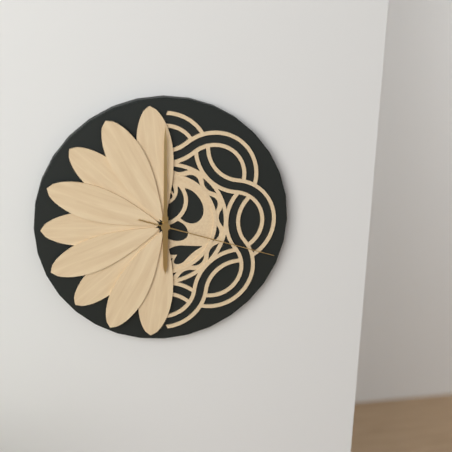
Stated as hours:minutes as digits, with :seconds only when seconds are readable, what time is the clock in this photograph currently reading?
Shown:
6:00:18
